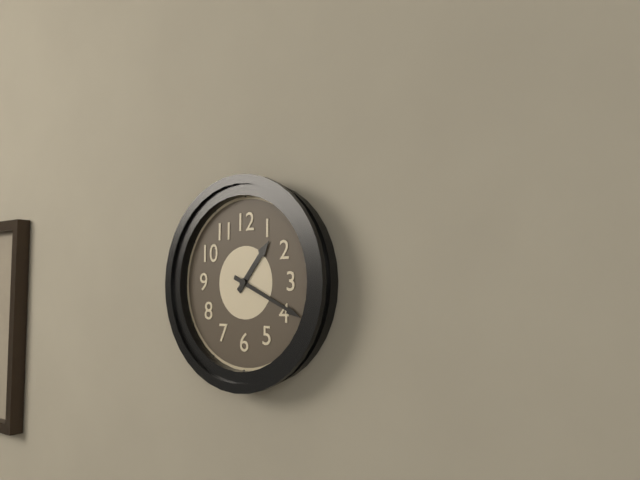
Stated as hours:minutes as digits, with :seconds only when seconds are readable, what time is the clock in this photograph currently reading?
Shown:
1:19
